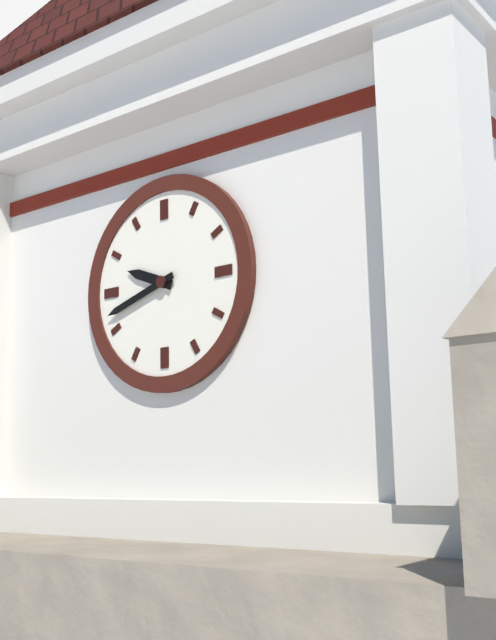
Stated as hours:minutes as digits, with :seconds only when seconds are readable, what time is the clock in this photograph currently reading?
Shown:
9:42
